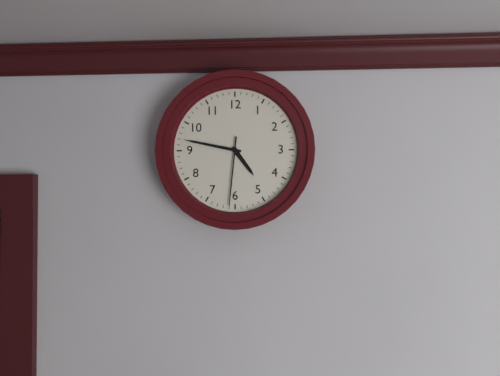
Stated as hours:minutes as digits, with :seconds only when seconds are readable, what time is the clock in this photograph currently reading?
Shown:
4:47:31
